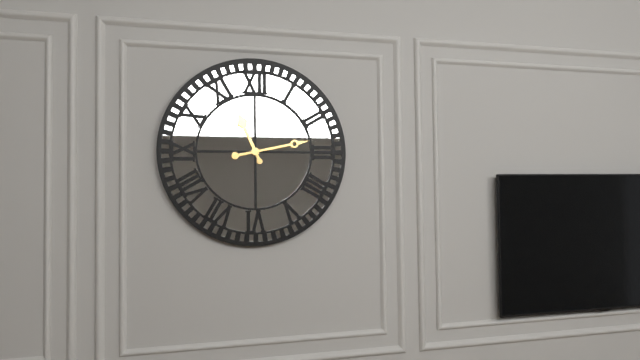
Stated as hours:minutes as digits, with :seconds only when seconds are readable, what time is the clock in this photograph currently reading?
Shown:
11:13
